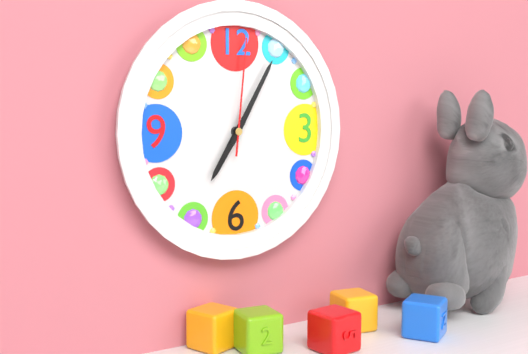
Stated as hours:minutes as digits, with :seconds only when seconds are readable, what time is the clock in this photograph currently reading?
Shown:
7:05:01
